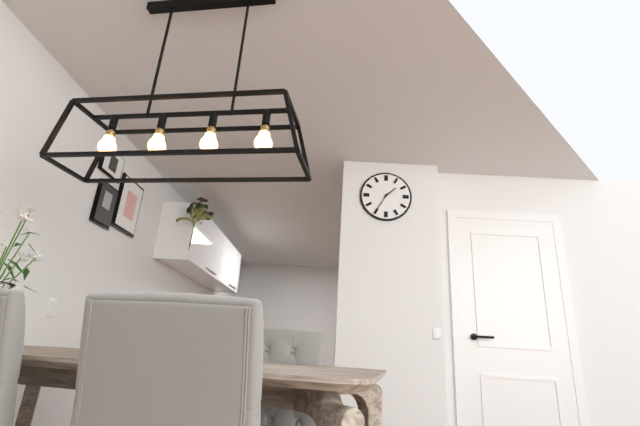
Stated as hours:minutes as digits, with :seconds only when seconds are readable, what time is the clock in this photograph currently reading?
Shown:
1:35
